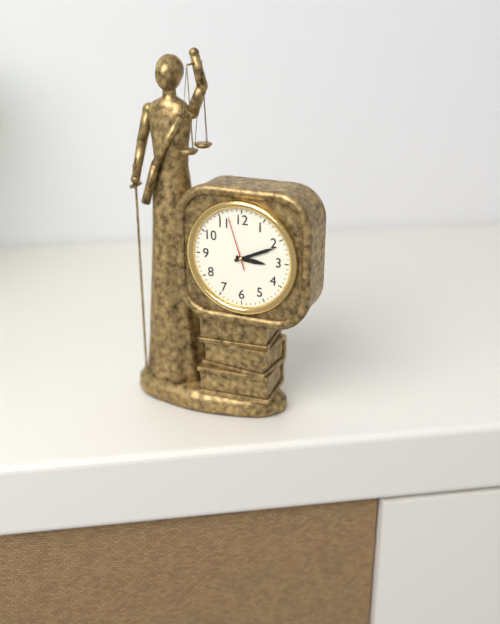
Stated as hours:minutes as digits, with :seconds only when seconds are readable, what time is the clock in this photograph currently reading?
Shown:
3:11:57
